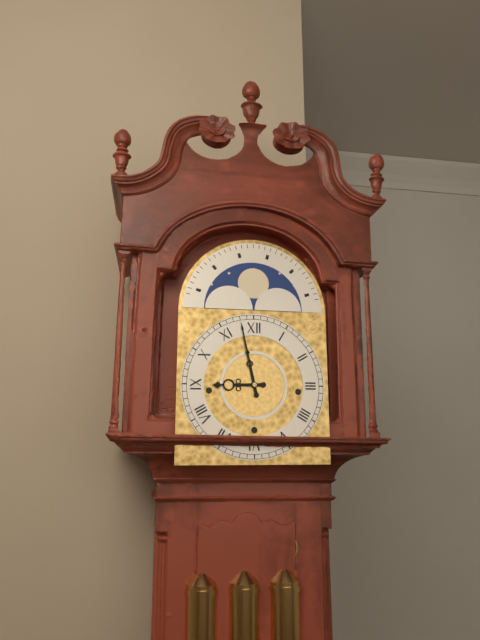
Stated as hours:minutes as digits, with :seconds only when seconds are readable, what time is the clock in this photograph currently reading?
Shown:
8:58
